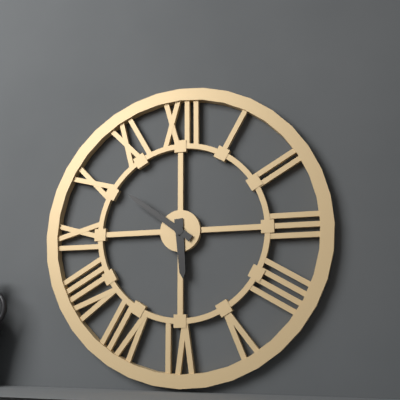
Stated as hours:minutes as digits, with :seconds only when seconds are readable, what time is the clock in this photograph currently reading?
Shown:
5:51
